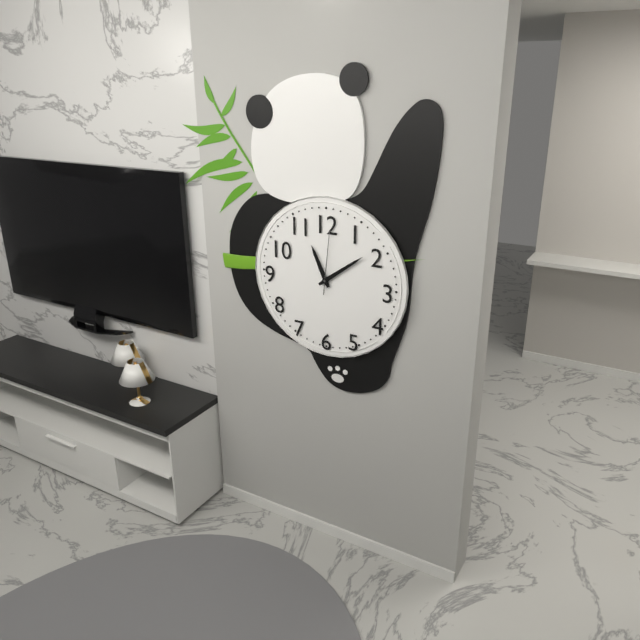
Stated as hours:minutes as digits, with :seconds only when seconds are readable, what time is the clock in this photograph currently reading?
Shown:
11:09:01
